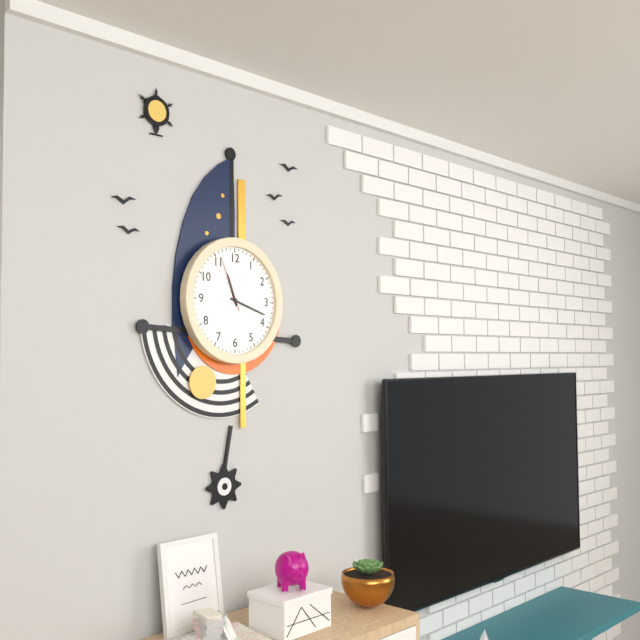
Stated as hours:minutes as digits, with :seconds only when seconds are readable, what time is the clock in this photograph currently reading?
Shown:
11:18:56
